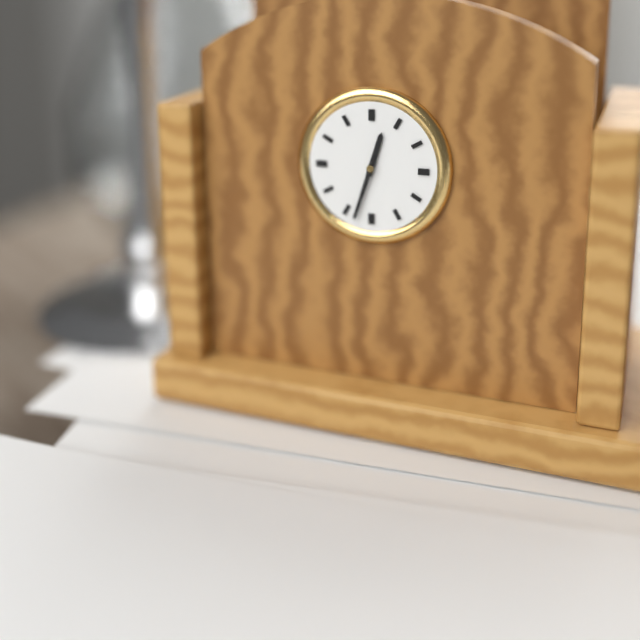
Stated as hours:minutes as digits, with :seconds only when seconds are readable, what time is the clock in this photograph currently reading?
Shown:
12:33
